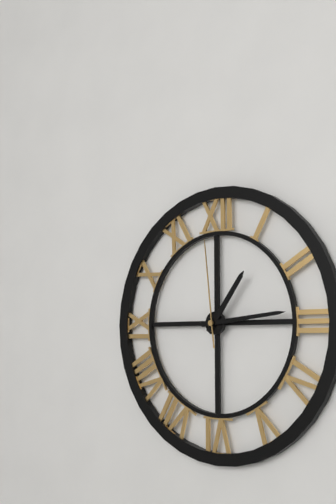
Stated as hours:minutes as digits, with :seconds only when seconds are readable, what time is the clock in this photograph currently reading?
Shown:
1:14:59
